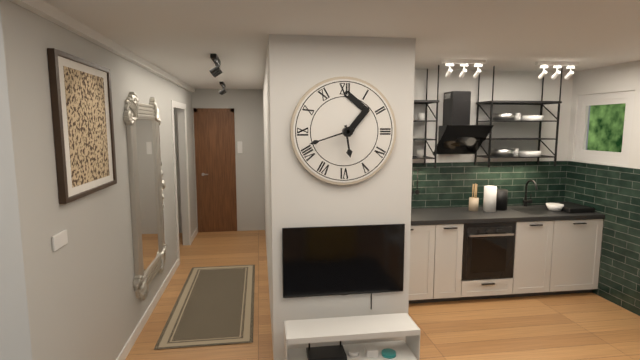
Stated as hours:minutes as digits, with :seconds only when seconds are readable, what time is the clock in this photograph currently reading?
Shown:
5:42
